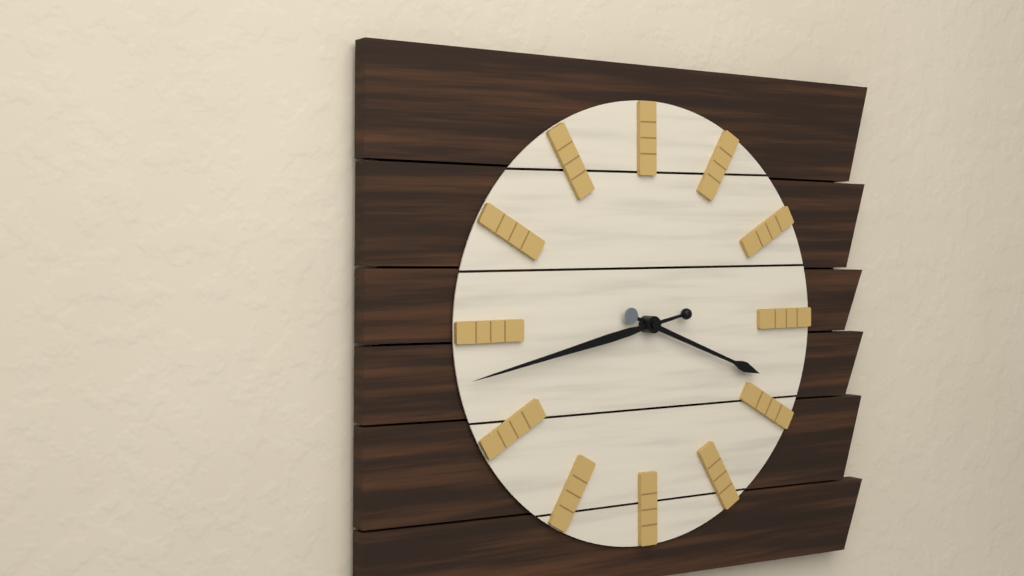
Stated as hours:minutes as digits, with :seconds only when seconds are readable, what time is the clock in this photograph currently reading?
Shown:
3:43
